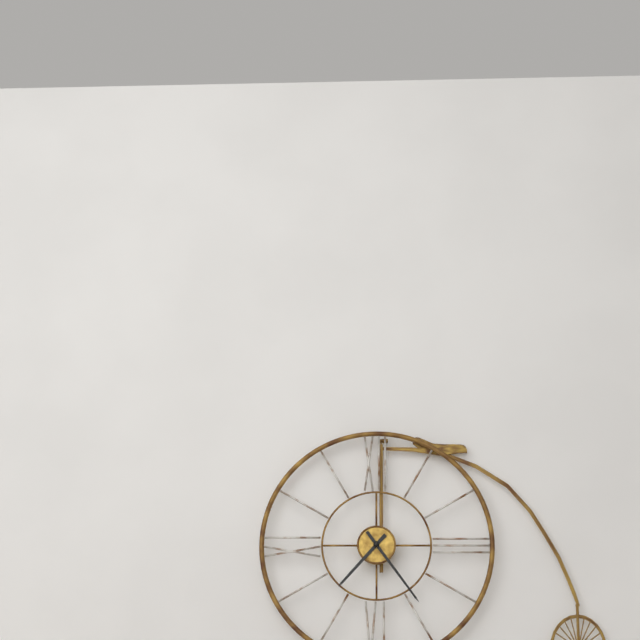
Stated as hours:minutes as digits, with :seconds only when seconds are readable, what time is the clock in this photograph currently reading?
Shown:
7:24
